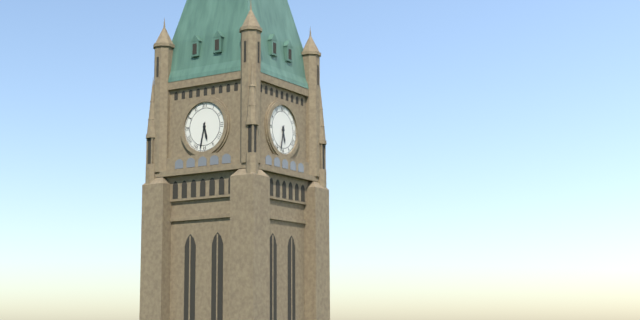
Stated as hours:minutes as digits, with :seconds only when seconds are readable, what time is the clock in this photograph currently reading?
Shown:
5:32
